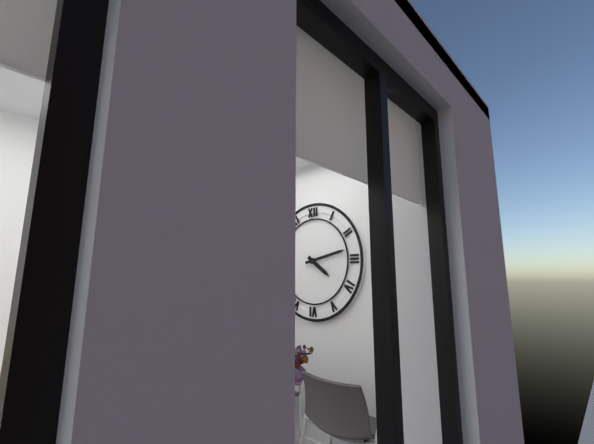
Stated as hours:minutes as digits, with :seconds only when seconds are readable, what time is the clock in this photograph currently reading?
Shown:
4:13
